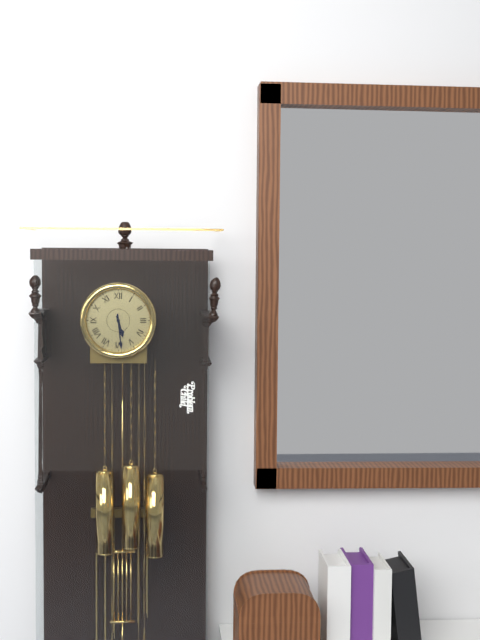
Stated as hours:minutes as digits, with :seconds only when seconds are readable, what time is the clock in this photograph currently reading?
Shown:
5:29
